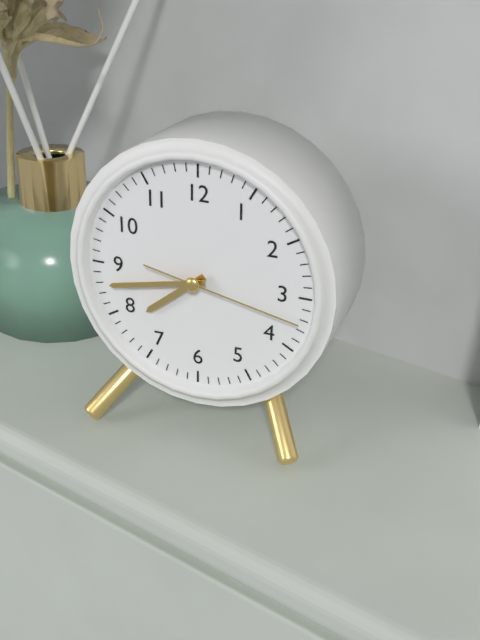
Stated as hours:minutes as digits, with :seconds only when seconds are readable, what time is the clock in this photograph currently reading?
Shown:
7:43:17
